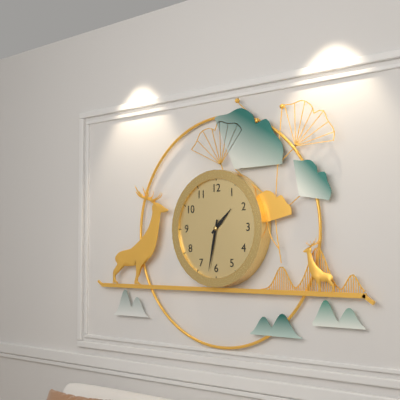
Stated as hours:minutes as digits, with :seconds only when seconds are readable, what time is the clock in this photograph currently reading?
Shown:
1:32
